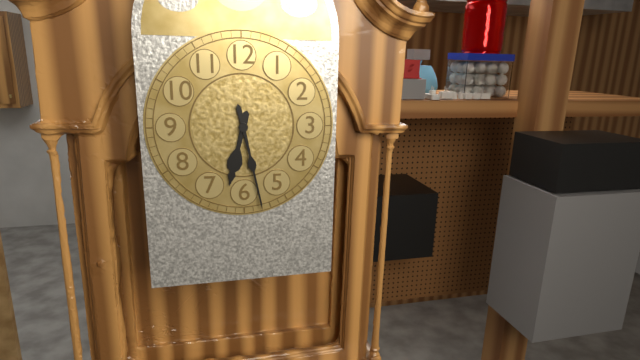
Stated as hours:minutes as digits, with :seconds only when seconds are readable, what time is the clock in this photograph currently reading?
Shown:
6:28
